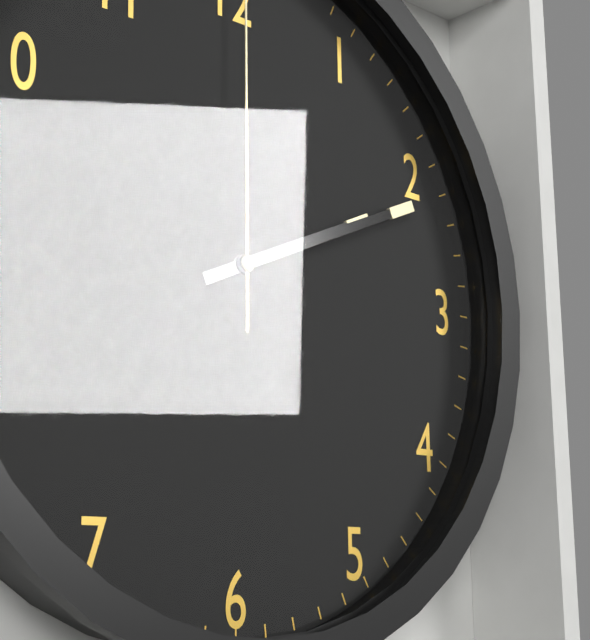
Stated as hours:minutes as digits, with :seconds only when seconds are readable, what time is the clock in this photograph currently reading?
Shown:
2:11
